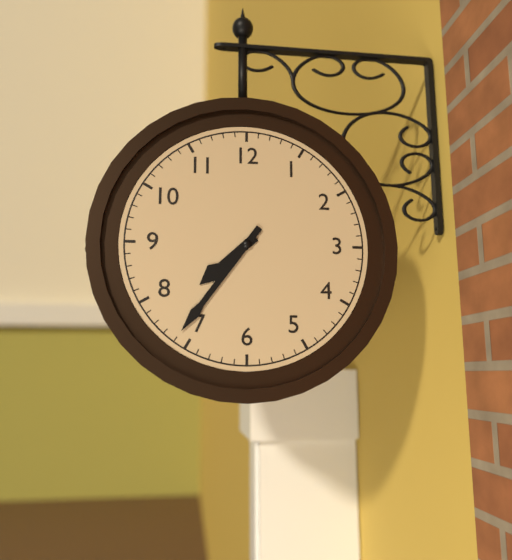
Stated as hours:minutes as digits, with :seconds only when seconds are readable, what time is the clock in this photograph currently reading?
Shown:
7:36
